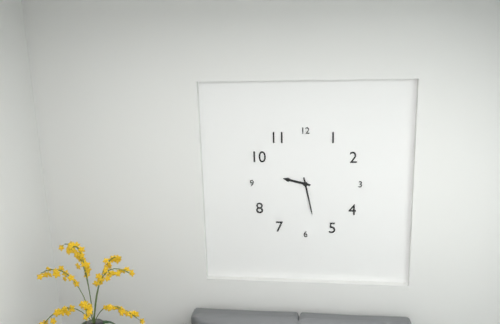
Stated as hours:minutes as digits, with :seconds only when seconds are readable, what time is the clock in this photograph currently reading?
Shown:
9:28
